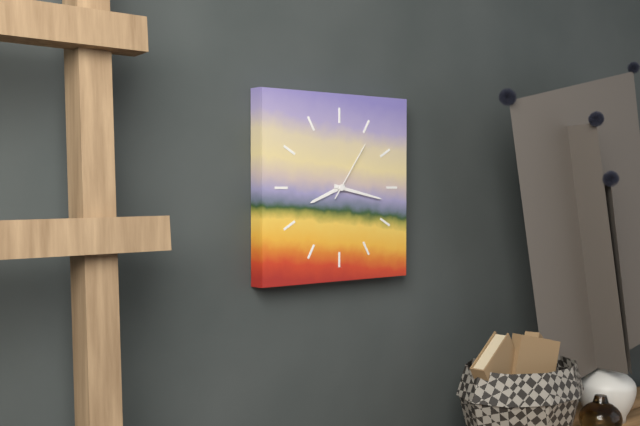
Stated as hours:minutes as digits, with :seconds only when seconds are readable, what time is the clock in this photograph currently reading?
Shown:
8:17:06
